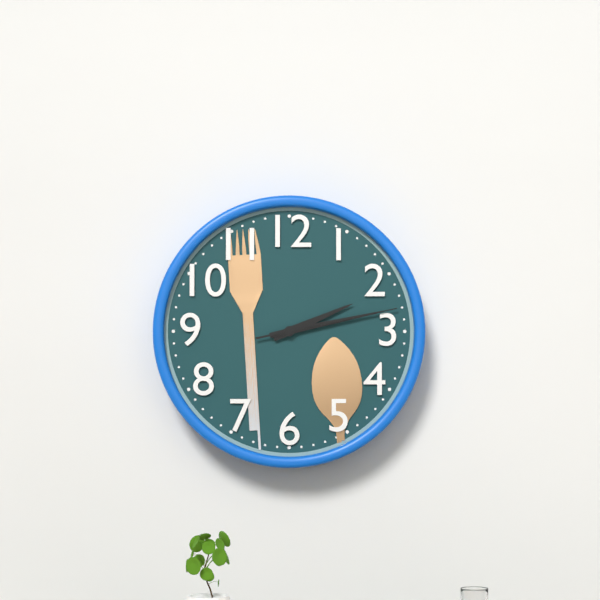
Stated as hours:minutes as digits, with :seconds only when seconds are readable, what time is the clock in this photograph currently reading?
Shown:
2:13:13
